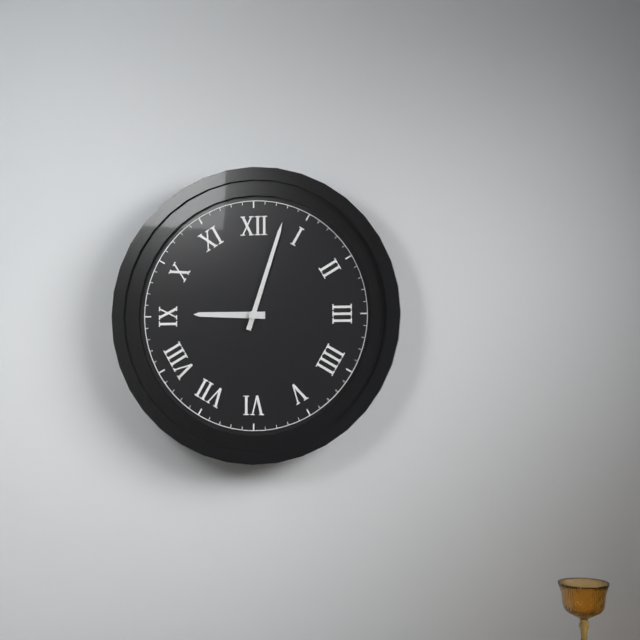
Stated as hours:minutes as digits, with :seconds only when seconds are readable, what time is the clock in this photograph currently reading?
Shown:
9:03
